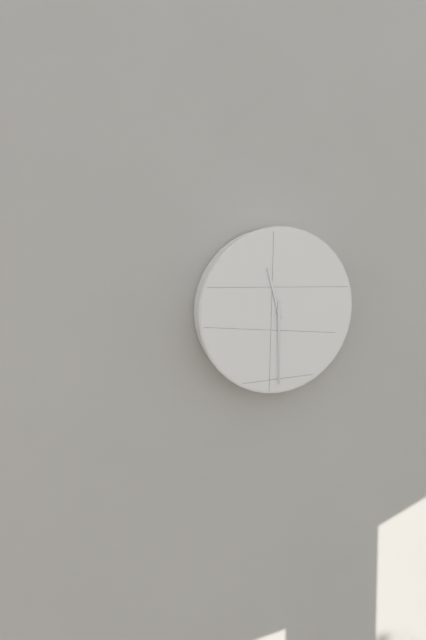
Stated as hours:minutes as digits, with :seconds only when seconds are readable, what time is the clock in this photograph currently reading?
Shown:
11:30
